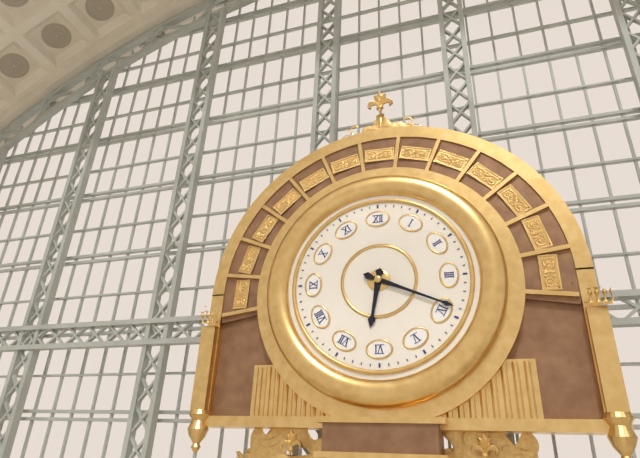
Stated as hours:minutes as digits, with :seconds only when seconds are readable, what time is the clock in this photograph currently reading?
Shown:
6:19
